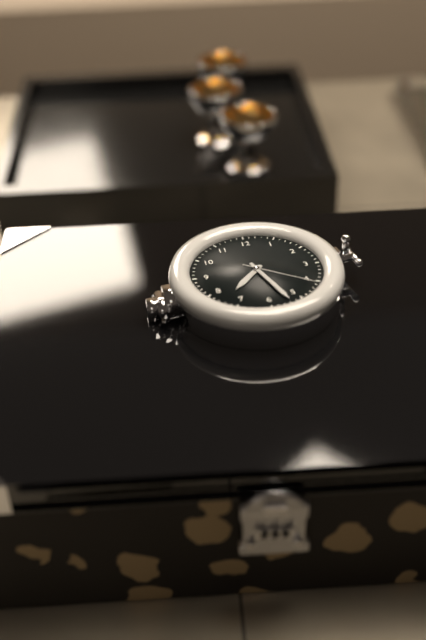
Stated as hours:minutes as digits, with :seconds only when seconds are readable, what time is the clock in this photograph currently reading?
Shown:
7:27:21
